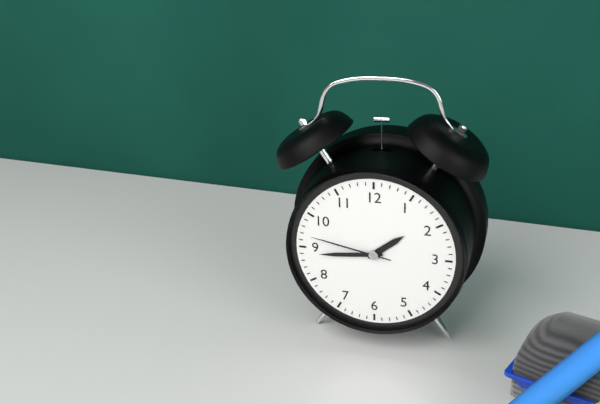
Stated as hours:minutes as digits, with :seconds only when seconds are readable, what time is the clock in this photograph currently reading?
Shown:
1:44:47
